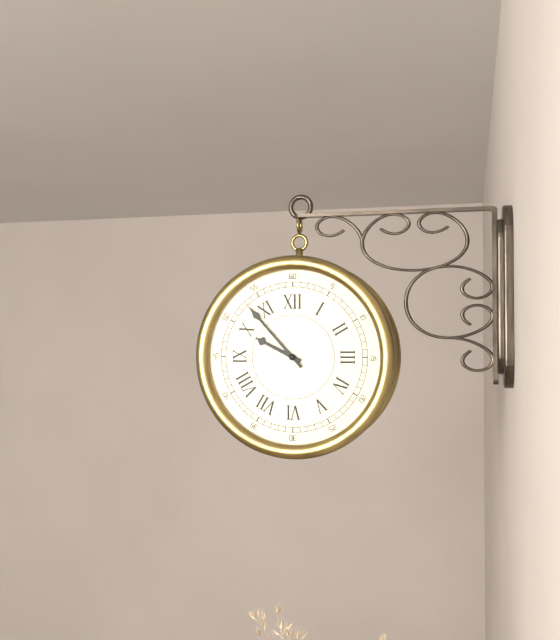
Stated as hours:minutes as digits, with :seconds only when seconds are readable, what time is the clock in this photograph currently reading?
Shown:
9:53
